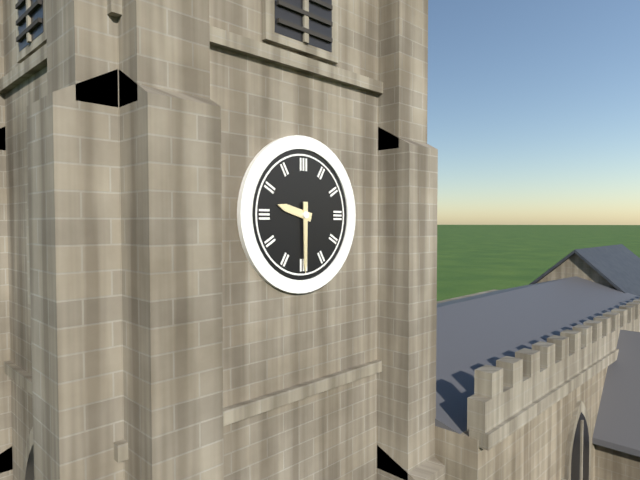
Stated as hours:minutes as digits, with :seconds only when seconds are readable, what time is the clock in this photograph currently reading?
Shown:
9:30
